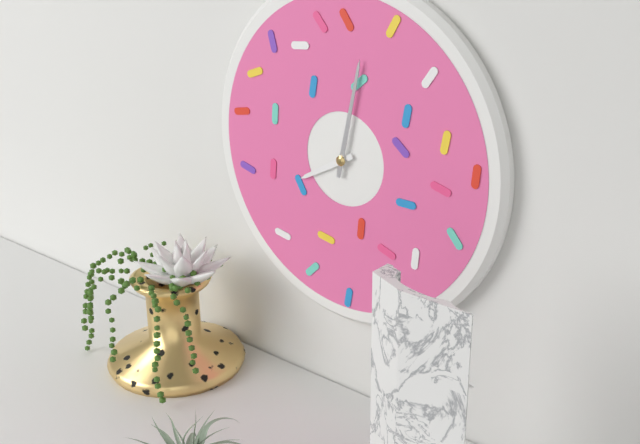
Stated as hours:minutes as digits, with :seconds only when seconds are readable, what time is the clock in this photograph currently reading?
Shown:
8:02
